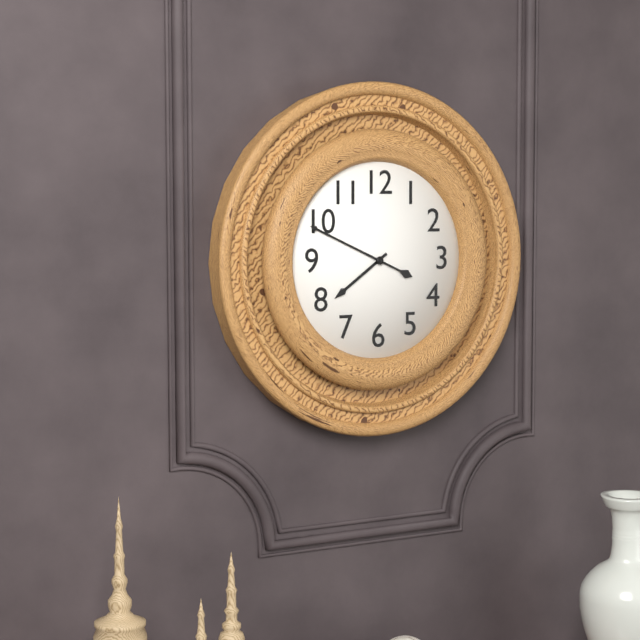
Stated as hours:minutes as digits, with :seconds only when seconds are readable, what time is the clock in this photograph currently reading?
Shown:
7:49
